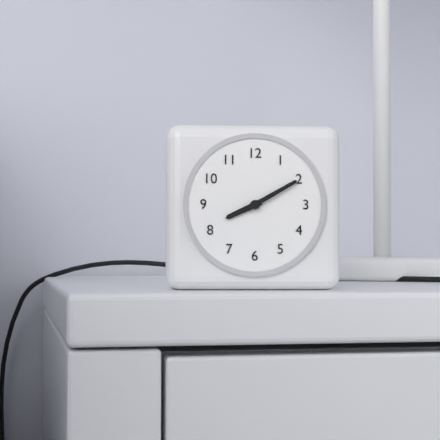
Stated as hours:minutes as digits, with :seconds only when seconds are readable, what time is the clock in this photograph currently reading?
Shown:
8:10
